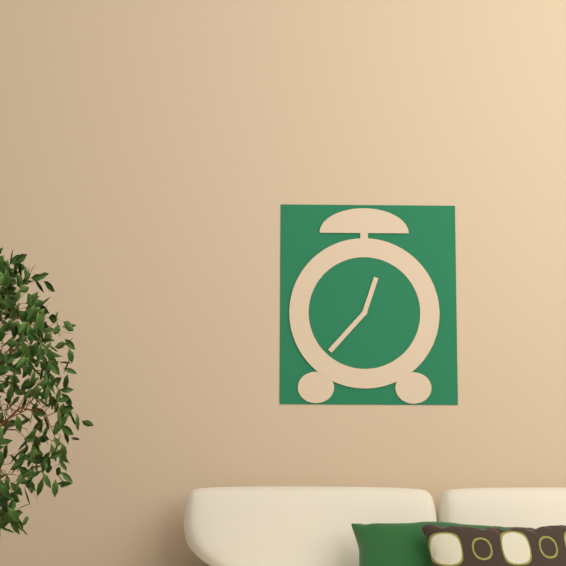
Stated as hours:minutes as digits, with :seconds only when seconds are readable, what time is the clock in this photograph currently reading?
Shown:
12:37
